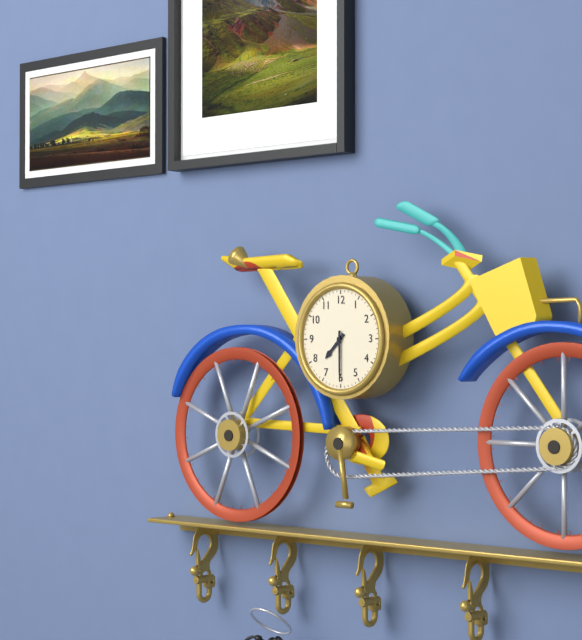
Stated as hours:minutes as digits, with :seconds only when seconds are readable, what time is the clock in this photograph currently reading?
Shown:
7:30
